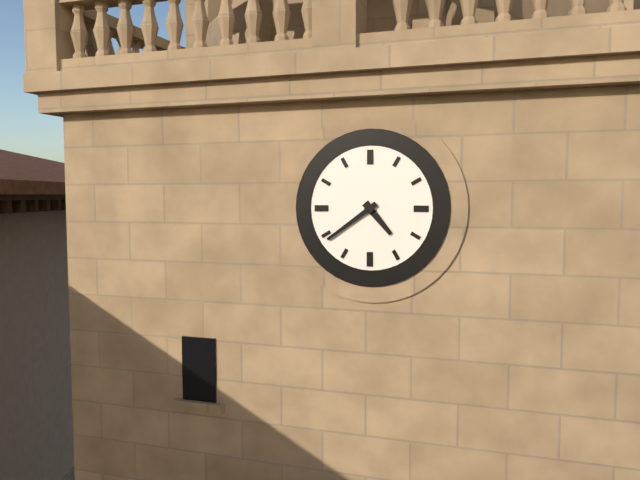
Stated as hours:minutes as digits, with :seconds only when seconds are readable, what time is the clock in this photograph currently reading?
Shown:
4:39
